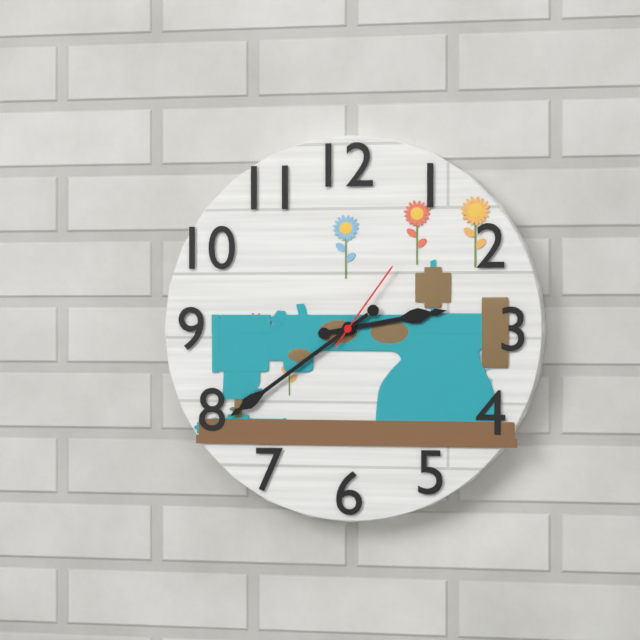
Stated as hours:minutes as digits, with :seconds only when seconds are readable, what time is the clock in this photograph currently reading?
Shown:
2:39:06
